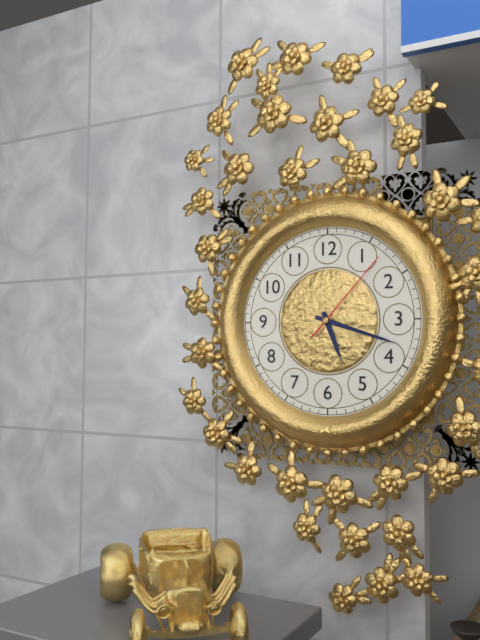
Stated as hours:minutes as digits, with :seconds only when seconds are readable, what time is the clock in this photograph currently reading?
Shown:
5:18:07
